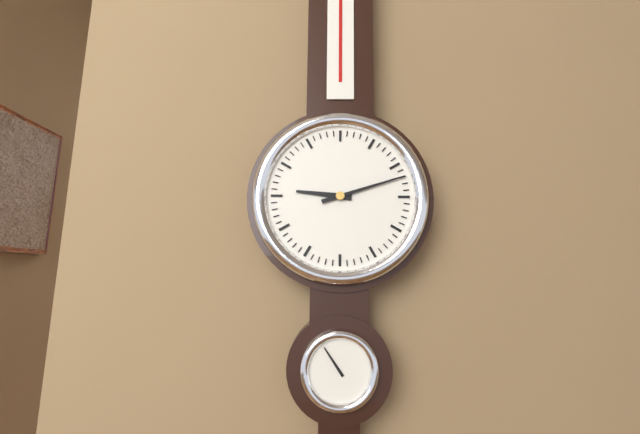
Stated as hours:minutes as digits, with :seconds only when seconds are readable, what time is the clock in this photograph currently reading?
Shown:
9:12
